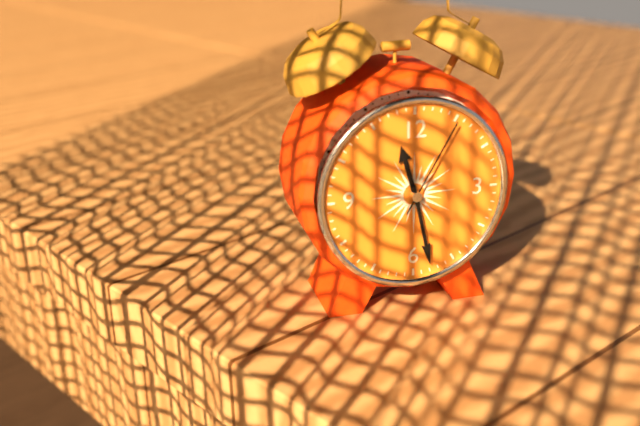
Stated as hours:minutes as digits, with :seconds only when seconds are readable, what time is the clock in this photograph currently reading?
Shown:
11:28:05
